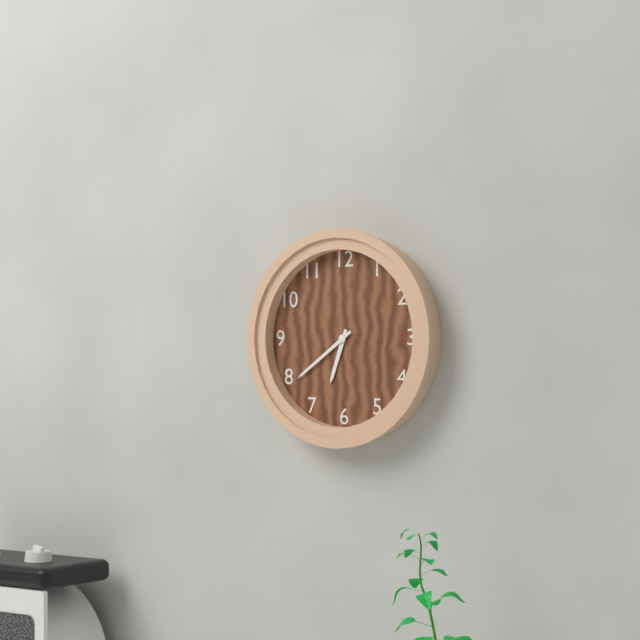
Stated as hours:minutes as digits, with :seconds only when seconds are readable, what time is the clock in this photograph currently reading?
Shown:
6:39
